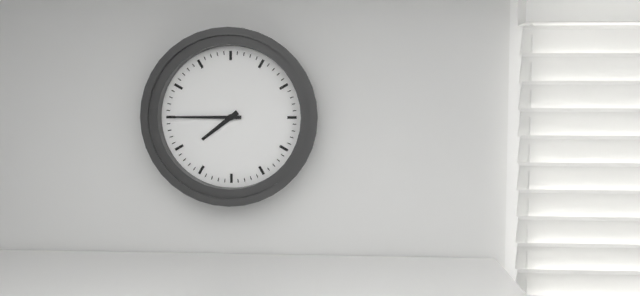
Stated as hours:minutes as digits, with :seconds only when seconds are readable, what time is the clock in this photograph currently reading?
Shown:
7:45
